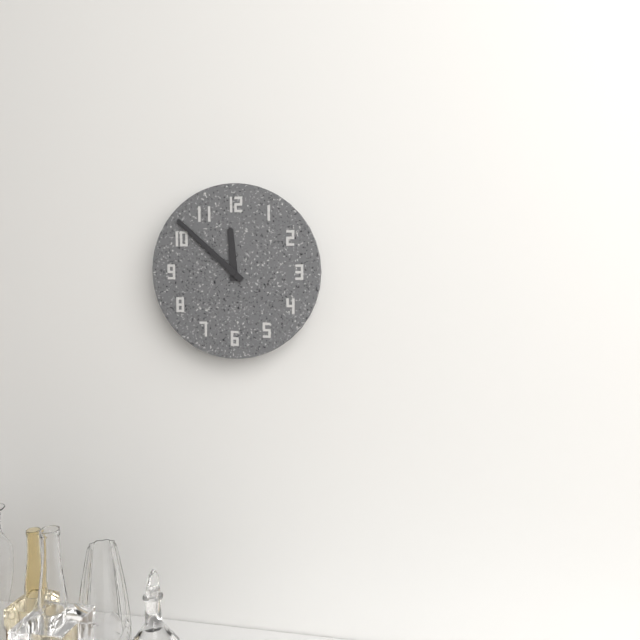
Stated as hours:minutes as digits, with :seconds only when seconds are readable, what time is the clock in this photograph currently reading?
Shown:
11:52
